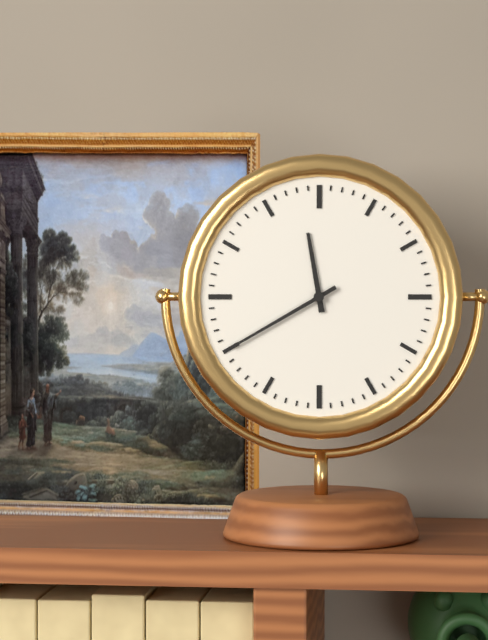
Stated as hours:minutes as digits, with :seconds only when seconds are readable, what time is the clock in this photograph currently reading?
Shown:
11:40
